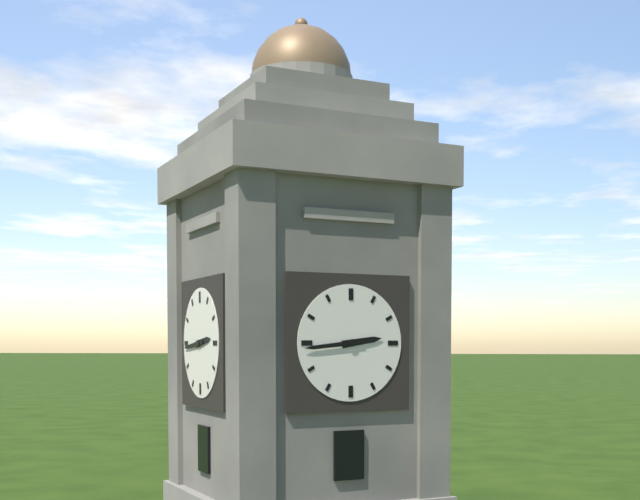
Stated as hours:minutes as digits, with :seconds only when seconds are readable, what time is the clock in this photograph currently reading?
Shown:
2:44
